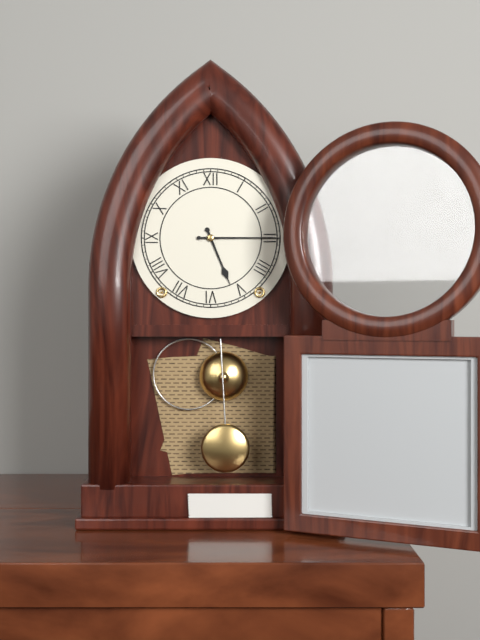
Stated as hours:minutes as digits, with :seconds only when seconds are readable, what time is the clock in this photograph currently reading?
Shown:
5:15
